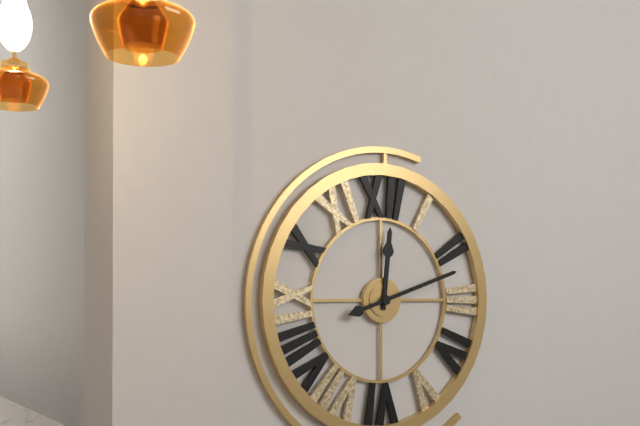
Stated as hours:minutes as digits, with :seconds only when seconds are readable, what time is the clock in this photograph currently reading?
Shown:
12:12
